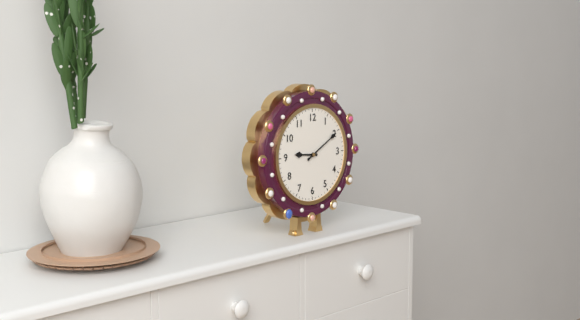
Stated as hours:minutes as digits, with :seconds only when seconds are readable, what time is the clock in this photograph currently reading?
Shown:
9:10
